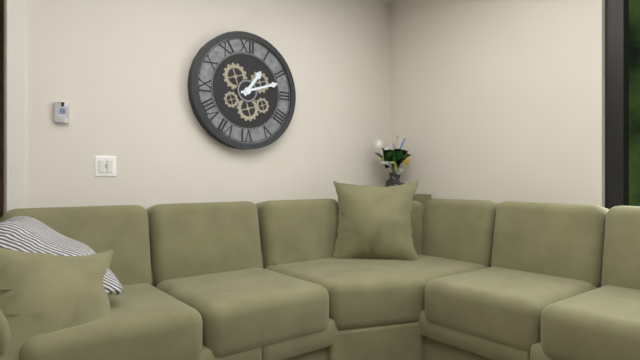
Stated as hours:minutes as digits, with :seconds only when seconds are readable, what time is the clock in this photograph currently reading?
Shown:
1:12
